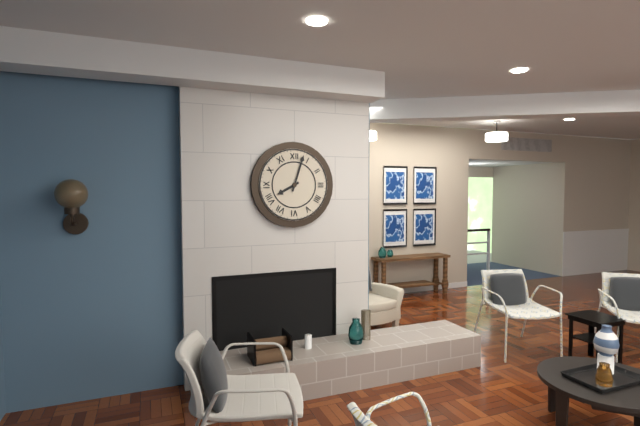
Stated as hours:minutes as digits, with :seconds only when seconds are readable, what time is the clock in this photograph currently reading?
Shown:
8:03
